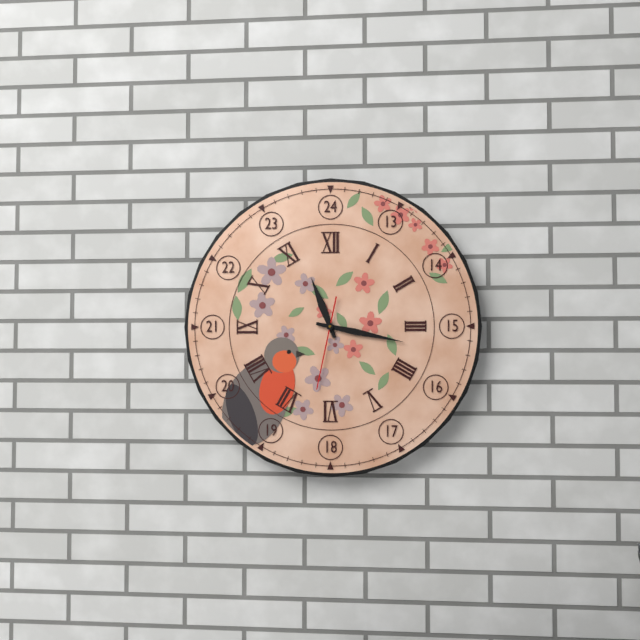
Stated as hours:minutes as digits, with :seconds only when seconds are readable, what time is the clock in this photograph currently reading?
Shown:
11:17:32
